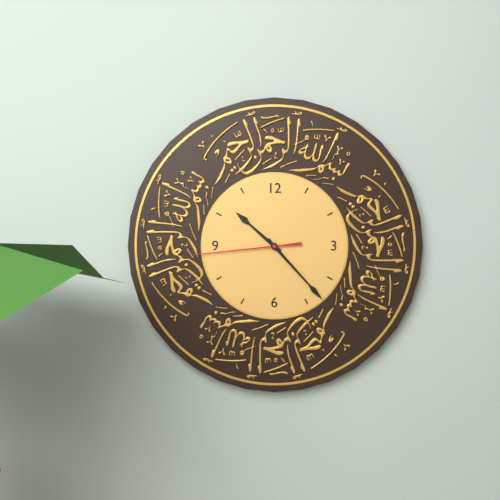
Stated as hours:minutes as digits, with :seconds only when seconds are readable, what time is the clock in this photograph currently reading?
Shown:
10:23:44
